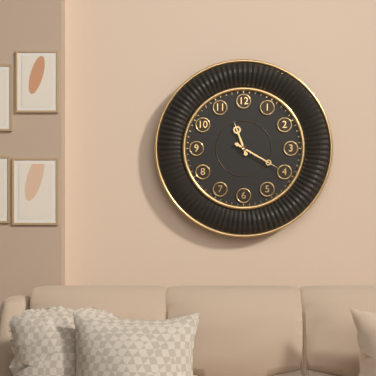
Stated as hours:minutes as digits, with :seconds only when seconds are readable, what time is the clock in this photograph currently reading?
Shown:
11:20
